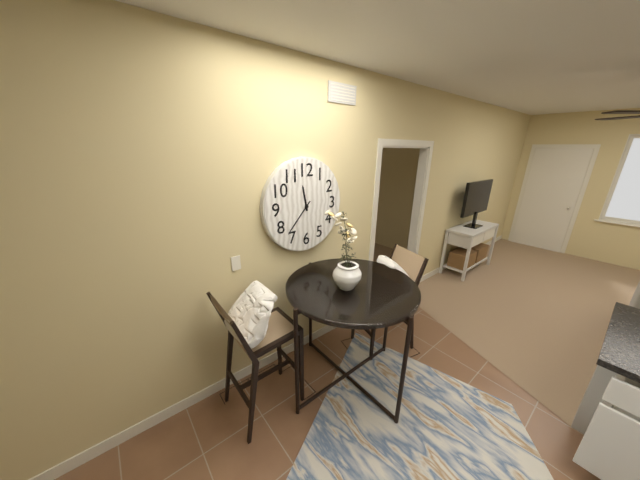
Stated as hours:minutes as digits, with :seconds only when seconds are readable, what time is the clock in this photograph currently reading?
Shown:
11:37
